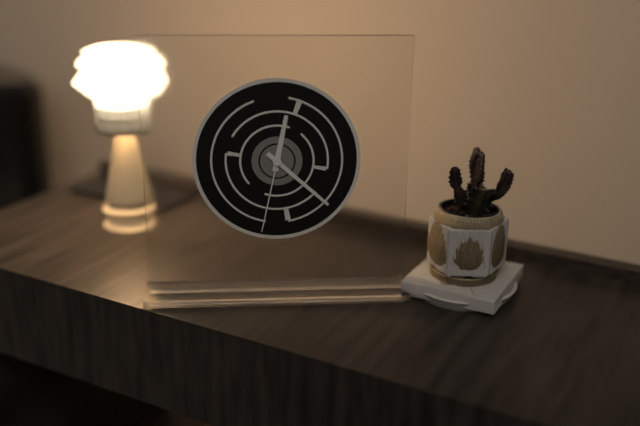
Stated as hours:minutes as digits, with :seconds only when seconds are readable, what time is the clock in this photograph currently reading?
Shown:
12:22:32
